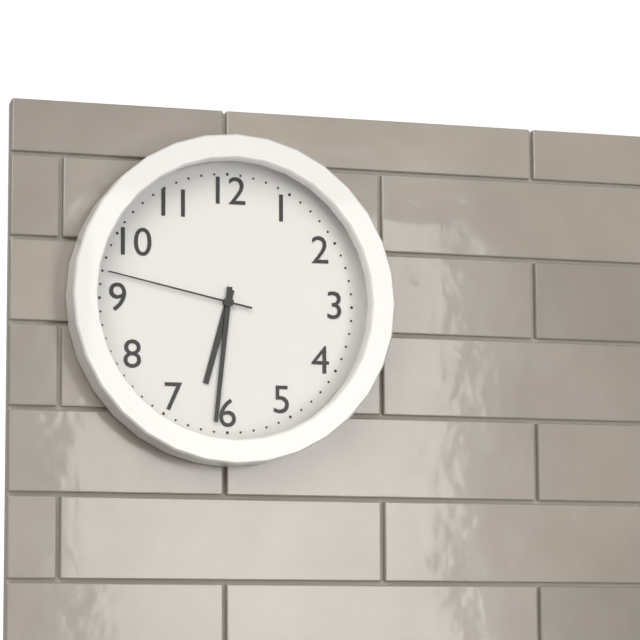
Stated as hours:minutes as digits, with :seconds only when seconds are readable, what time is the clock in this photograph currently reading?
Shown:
6:31:47
